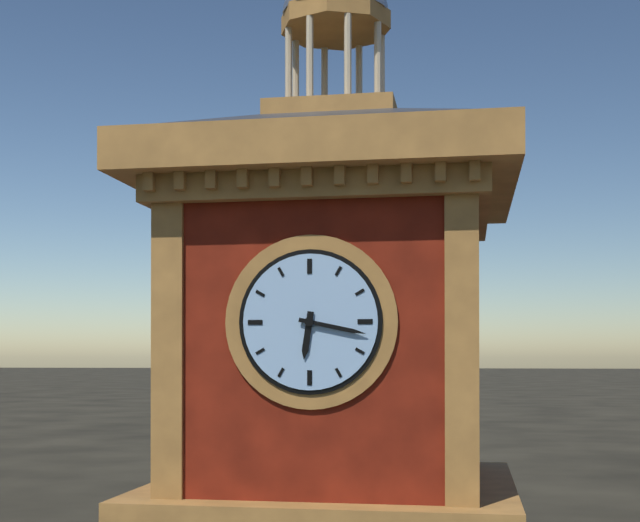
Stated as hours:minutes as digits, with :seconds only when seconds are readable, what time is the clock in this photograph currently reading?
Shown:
6:17
